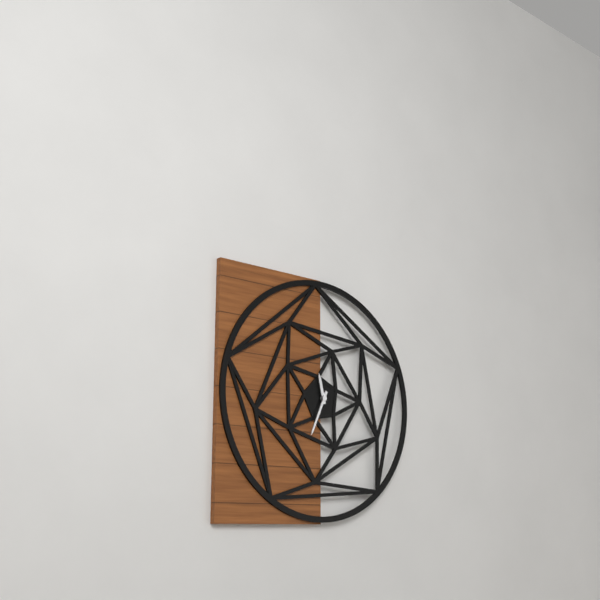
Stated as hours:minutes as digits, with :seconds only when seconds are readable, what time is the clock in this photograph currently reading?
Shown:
11:34
